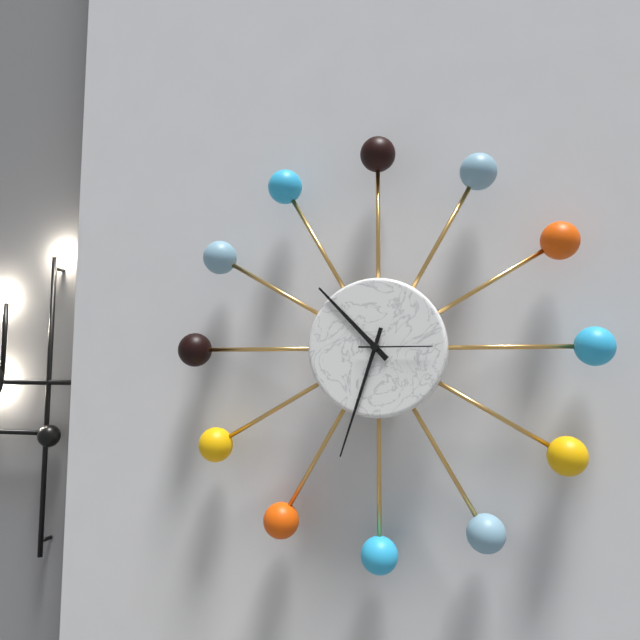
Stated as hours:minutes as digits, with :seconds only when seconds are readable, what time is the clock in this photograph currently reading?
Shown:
10:33:15
